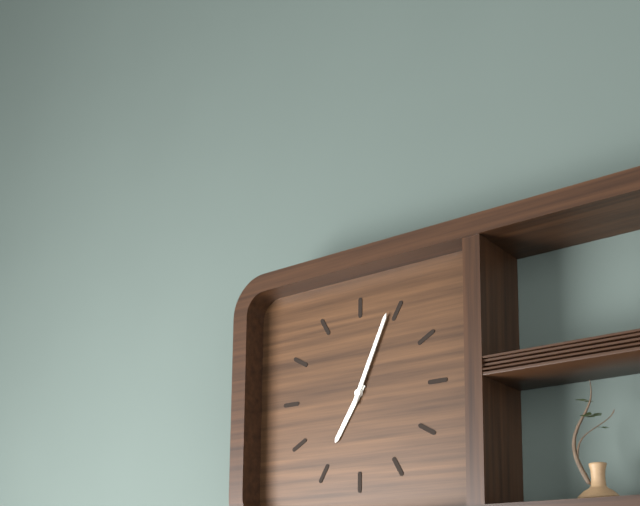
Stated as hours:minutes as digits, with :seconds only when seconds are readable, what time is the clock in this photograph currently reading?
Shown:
7:04
